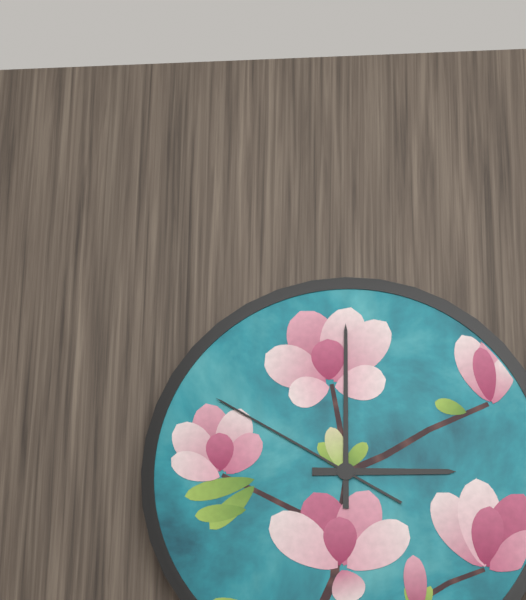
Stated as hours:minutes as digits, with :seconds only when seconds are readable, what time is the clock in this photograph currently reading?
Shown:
3:00:50
